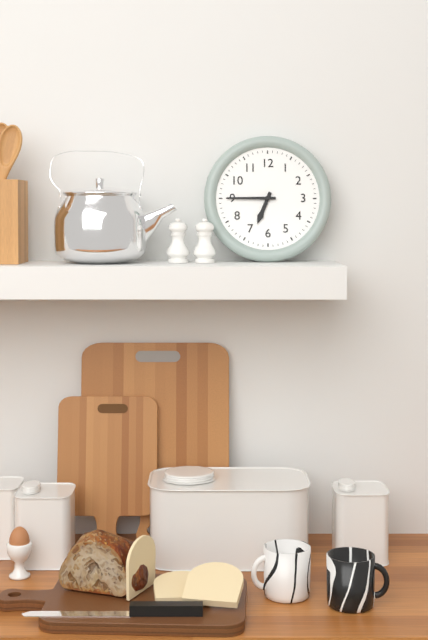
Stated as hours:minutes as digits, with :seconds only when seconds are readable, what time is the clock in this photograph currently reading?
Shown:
6:45
